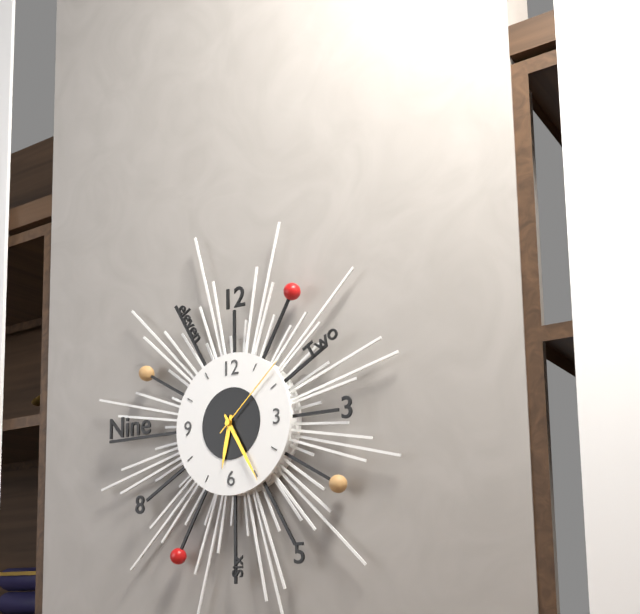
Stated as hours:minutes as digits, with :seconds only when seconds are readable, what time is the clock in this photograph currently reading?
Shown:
6:25:08
